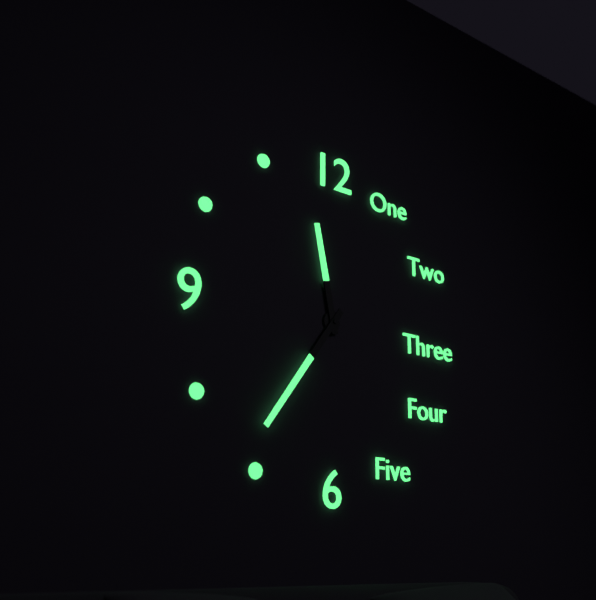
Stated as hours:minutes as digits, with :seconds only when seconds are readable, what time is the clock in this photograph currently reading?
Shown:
11:36
